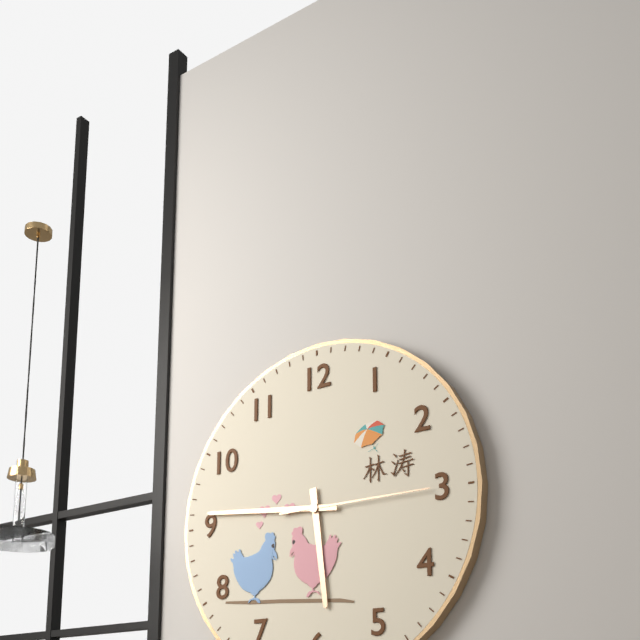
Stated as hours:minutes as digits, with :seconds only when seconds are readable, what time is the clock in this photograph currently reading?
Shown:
5:46:15
